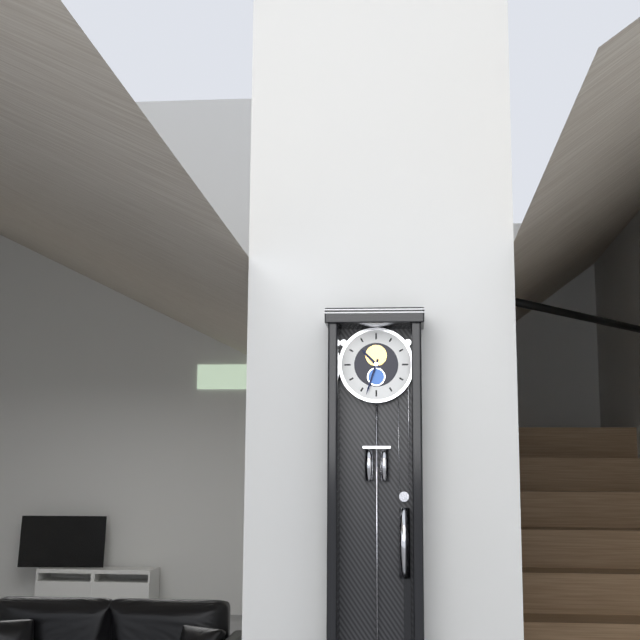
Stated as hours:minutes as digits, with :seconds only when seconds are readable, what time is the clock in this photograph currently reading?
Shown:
10:33
